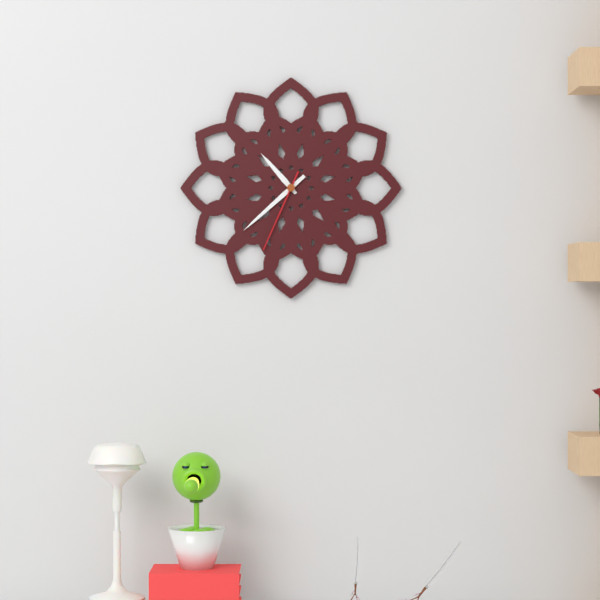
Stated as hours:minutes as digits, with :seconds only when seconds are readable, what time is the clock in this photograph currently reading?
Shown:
10:38:34
